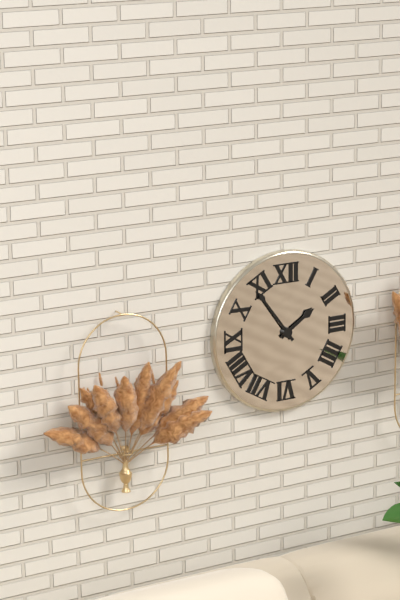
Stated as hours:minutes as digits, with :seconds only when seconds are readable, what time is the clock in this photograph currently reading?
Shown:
1:54
